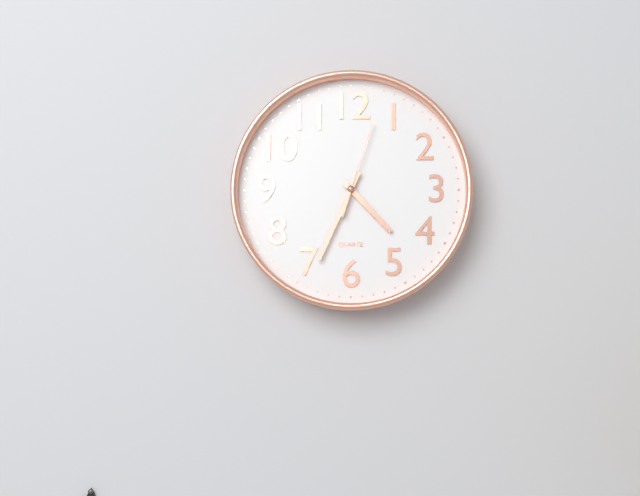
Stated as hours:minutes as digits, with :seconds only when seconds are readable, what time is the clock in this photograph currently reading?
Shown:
4:34:03
